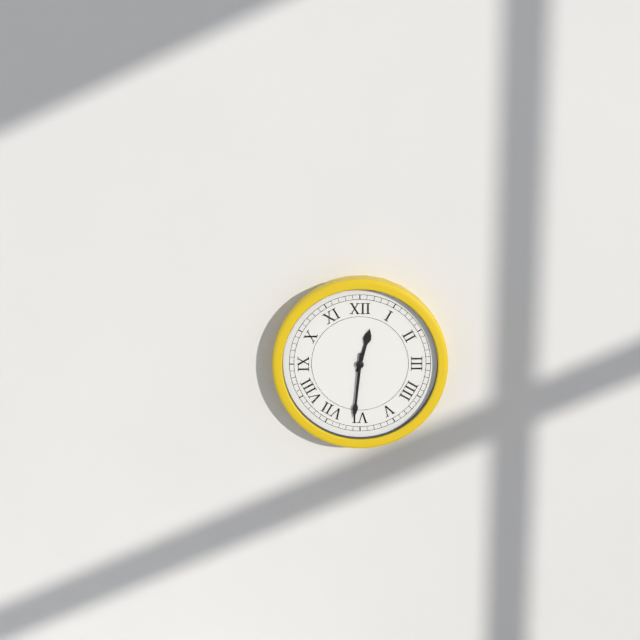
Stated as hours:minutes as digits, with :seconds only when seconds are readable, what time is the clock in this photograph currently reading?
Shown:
12:31
